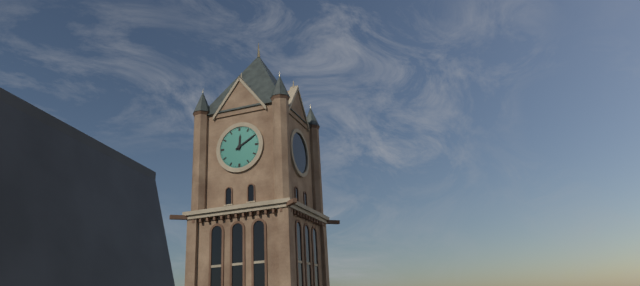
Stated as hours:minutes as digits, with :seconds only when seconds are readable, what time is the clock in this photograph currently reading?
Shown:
12:10
